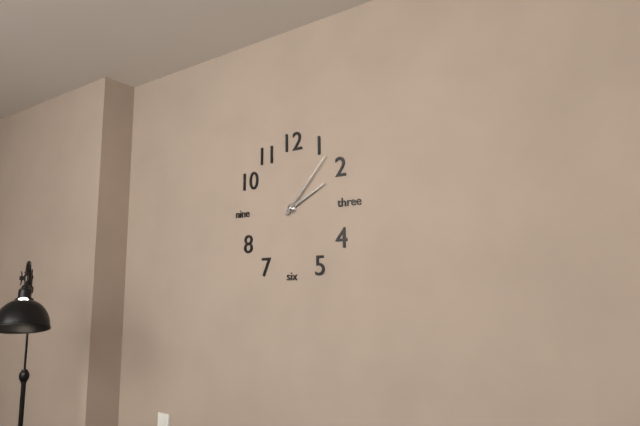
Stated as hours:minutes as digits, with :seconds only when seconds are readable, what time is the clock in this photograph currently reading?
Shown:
2:07
